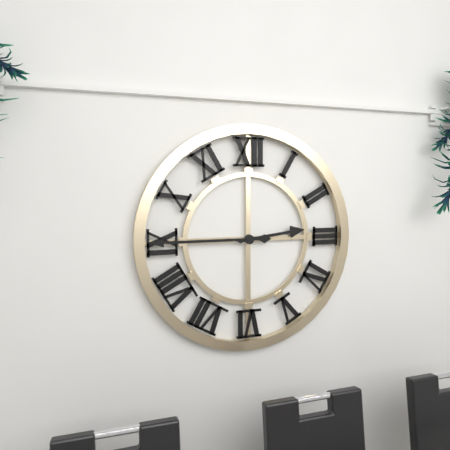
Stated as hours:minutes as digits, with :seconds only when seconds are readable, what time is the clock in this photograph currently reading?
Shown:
2:45
